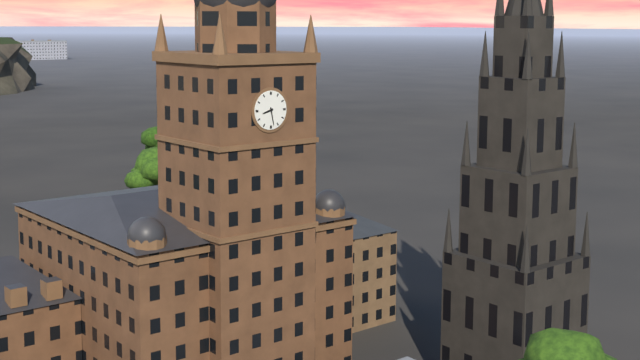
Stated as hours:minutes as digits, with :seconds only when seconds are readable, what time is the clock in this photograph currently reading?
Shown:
8:28
